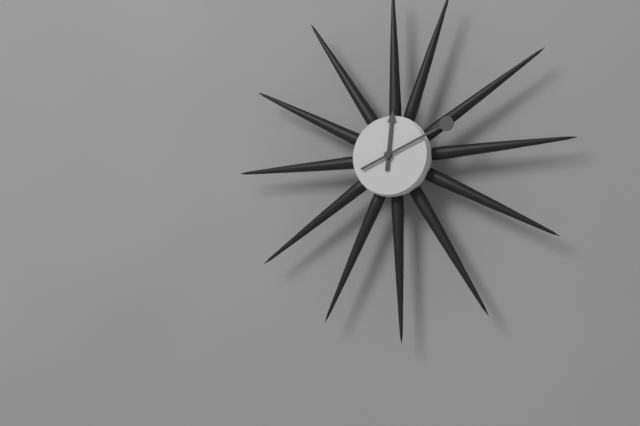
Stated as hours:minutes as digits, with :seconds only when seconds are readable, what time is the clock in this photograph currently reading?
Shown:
12:11
